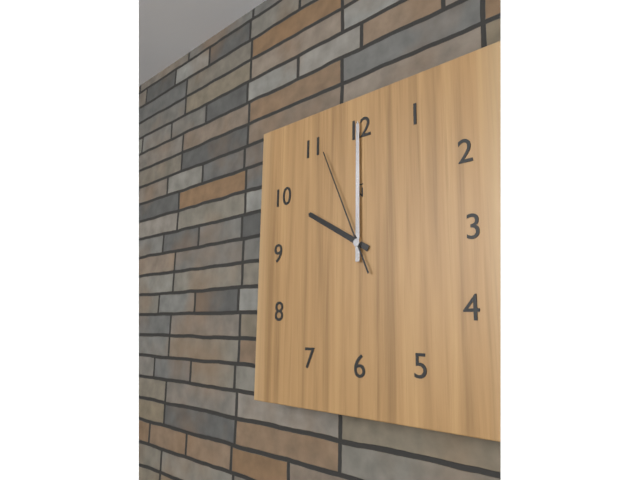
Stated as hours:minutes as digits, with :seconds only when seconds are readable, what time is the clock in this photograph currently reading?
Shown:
10:00:56
